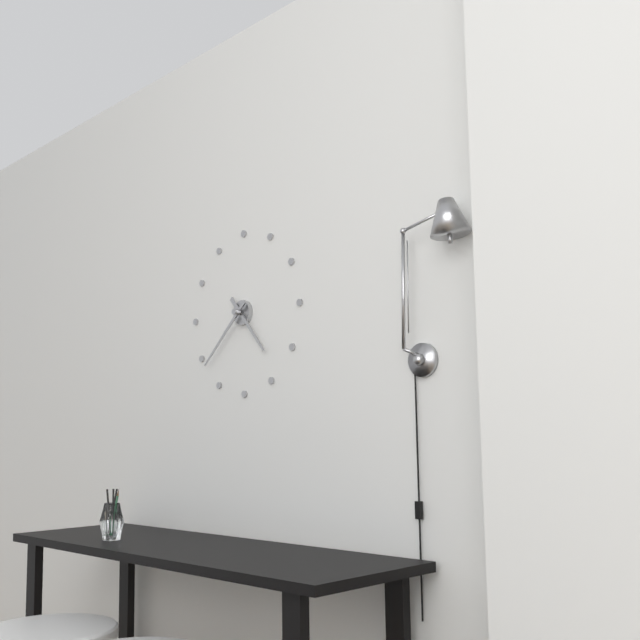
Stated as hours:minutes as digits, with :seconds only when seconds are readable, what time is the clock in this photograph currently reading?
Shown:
4:38
